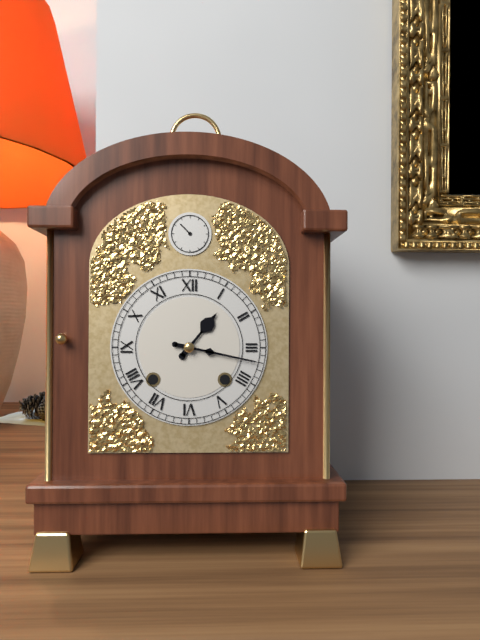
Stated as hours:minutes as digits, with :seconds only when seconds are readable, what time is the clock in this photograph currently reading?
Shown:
1:17
